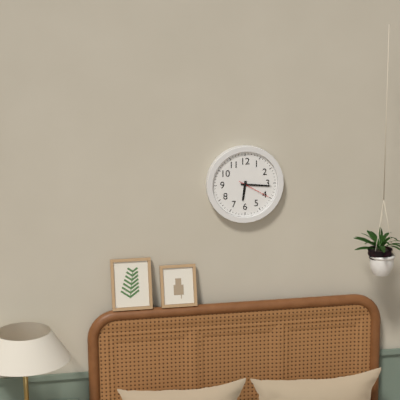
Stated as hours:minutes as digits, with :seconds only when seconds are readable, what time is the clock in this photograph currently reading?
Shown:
6:16
